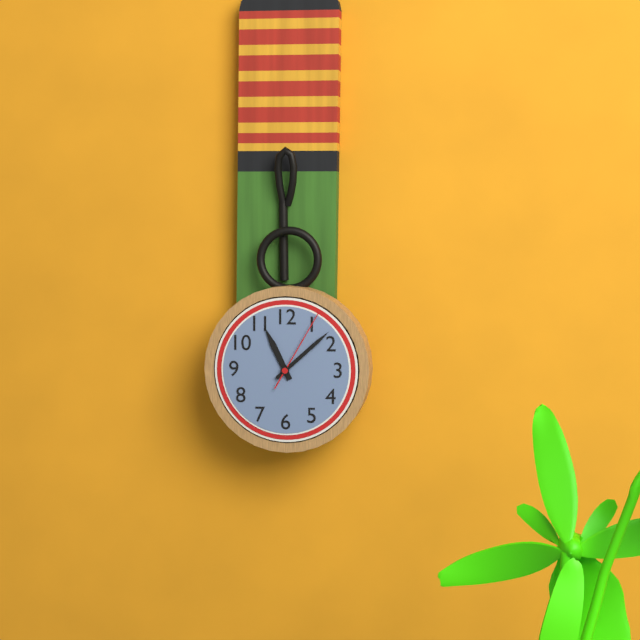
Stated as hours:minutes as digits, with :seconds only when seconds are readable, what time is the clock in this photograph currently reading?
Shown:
11:08:05
